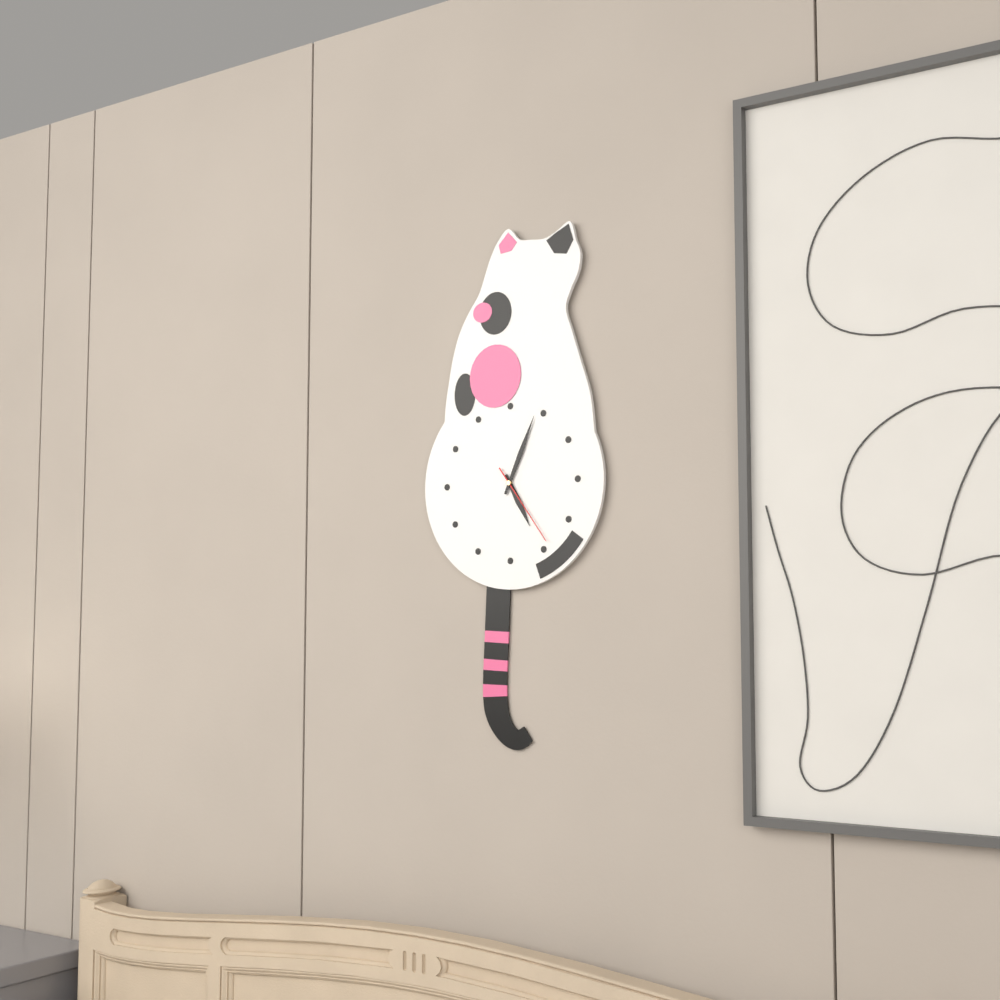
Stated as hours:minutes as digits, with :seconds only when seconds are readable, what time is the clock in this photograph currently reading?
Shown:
5:04:24
